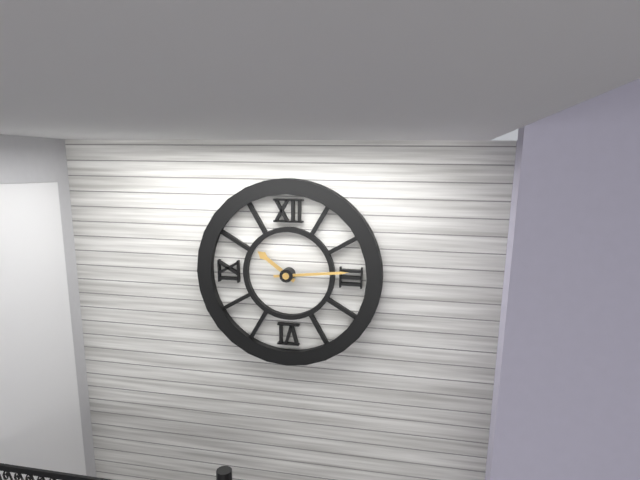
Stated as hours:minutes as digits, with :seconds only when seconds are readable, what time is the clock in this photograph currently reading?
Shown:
10:14
